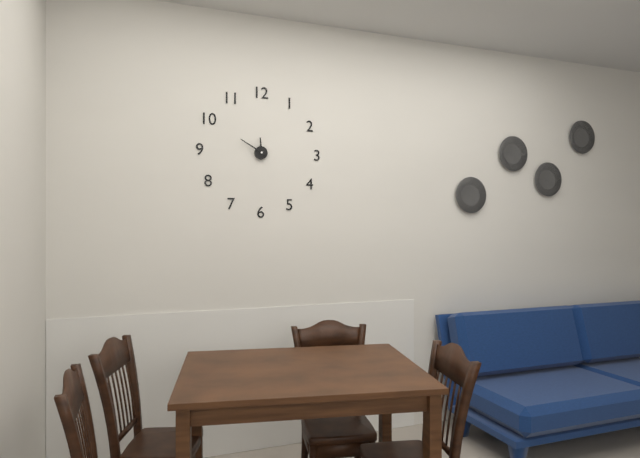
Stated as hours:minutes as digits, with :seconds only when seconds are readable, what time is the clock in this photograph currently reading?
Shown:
11:50
